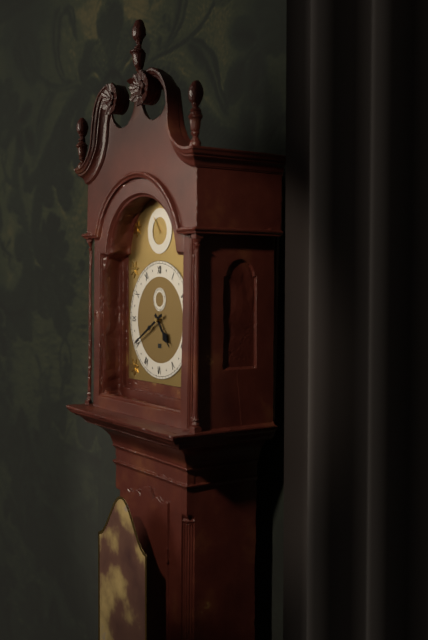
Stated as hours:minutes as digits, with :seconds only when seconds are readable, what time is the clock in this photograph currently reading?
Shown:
4:40
